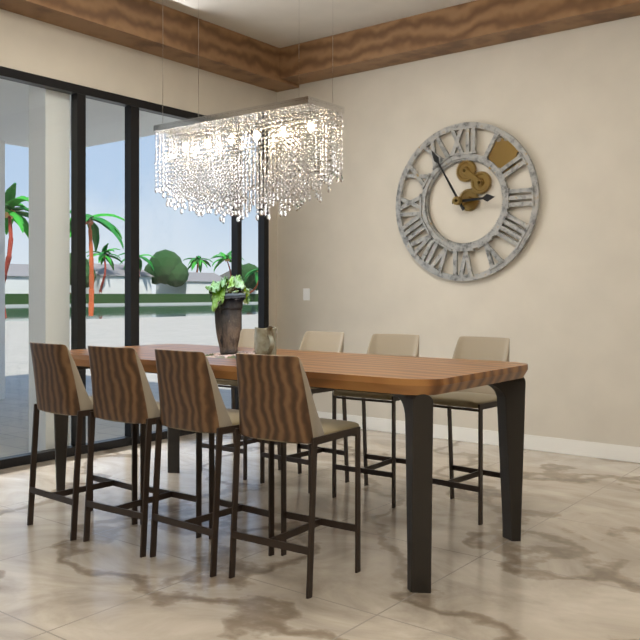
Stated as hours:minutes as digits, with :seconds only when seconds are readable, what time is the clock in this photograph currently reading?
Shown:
2:55
